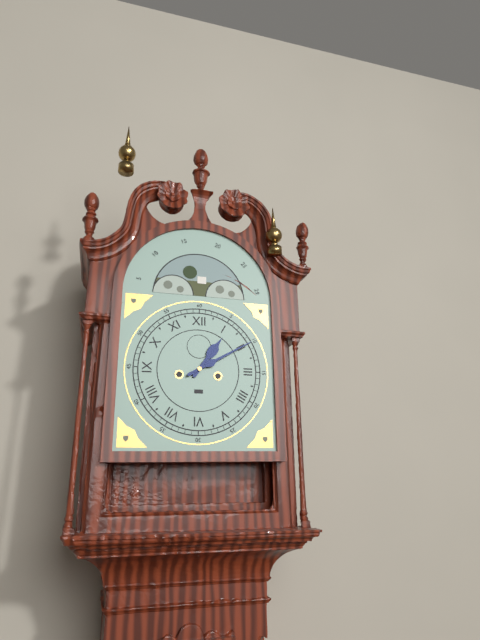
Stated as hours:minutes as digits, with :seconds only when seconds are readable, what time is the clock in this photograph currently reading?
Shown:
1:10
